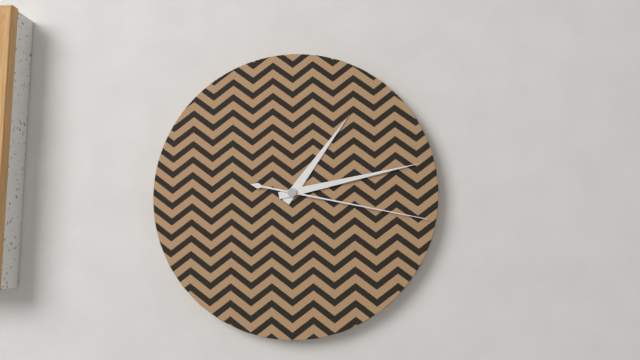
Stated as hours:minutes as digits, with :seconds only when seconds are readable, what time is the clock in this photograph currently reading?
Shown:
1:13:17
